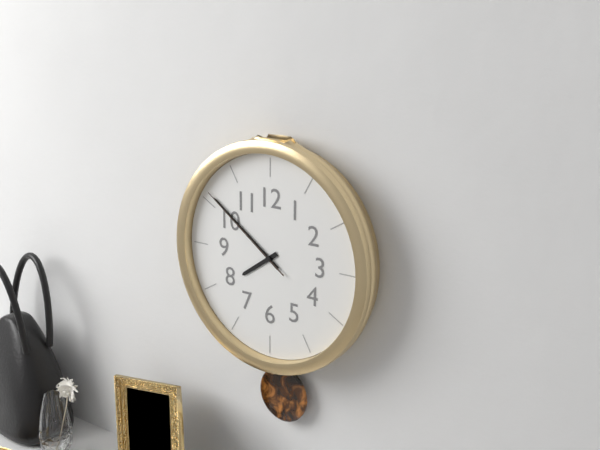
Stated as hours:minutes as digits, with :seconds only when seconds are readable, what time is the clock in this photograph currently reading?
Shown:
7:51:51
